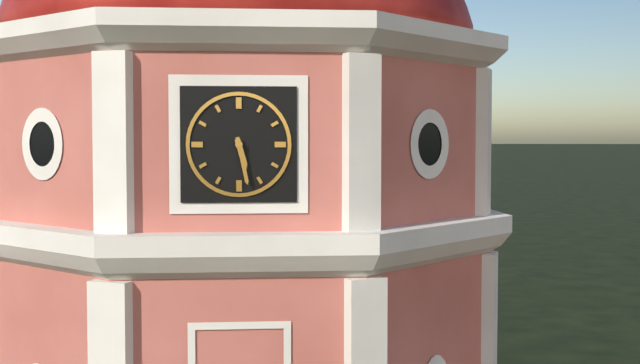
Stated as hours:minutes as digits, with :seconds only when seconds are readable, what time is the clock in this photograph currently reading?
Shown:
5:28
